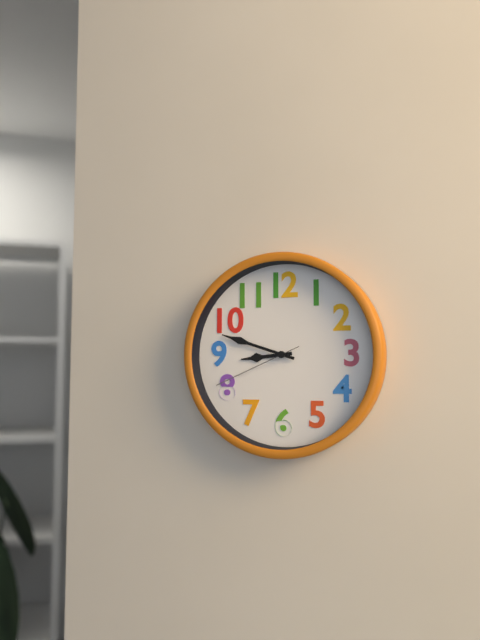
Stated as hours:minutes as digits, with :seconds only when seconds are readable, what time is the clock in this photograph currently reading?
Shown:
8:48:41
